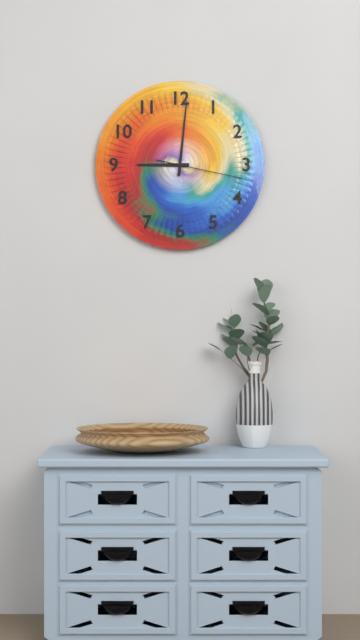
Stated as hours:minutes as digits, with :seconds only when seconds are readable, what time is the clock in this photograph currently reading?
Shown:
9:01:17
